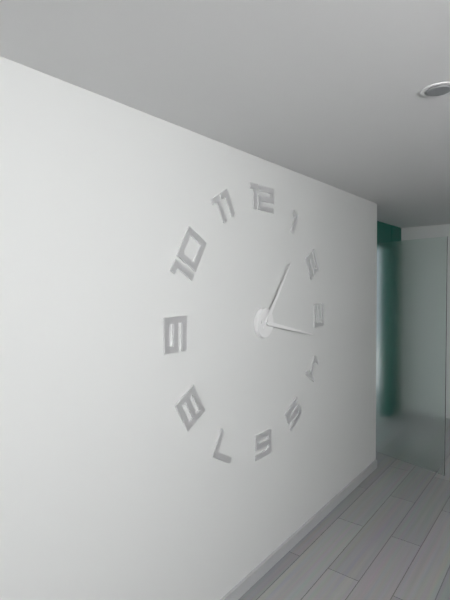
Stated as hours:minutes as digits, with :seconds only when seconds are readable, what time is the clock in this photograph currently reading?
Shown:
1:17
